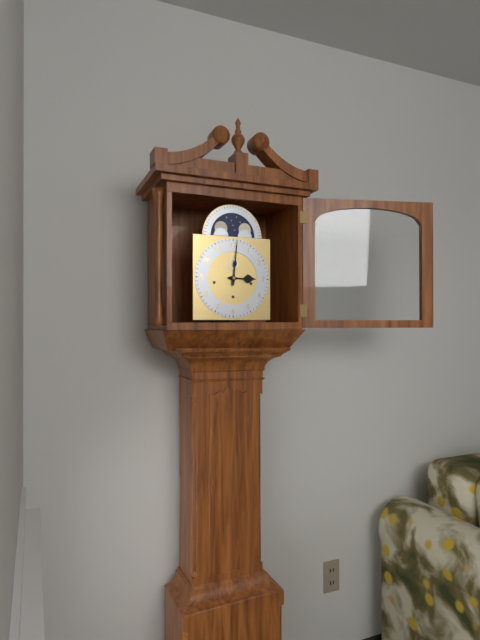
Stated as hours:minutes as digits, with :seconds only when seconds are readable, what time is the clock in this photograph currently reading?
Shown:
3:01
